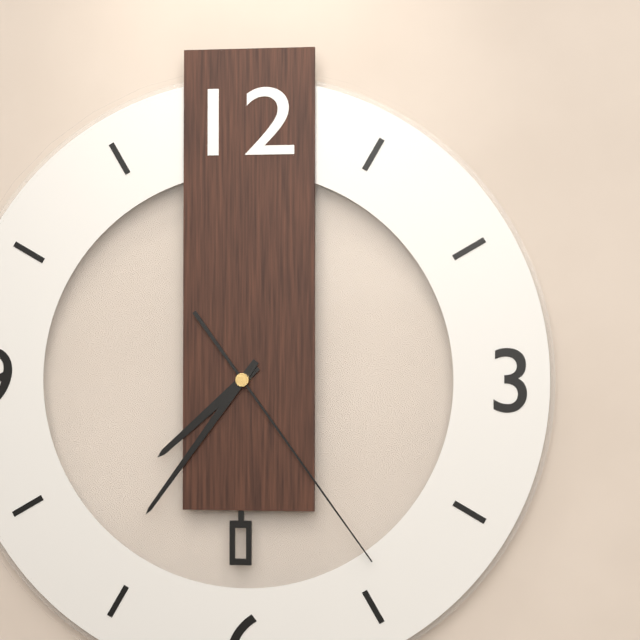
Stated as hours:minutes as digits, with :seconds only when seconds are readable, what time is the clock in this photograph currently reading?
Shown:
7:36:24
